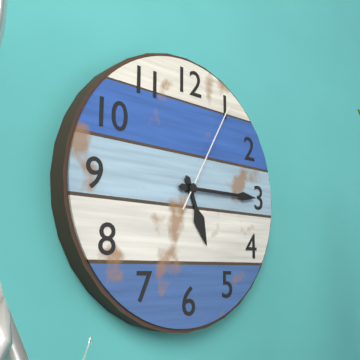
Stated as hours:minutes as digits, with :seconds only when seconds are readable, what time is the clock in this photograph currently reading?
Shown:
5:15:05
